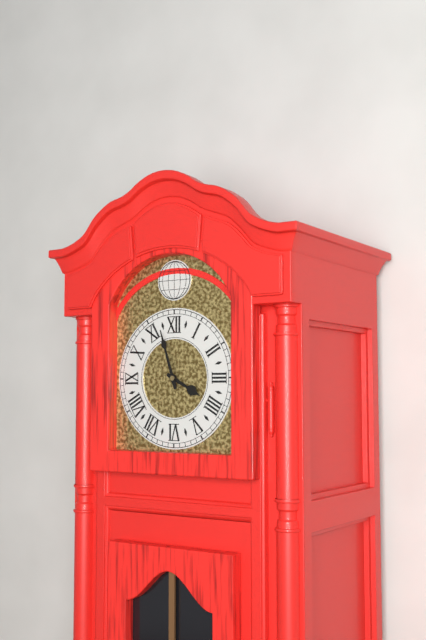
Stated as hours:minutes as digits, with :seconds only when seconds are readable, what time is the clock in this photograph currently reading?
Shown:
3:57
